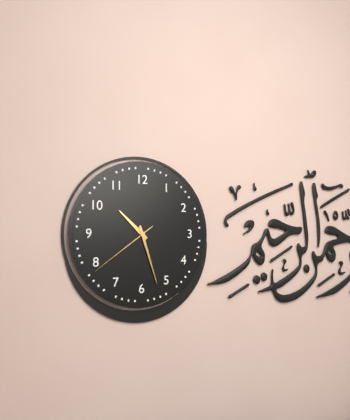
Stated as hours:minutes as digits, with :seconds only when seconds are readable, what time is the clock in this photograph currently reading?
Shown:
10:27:39
